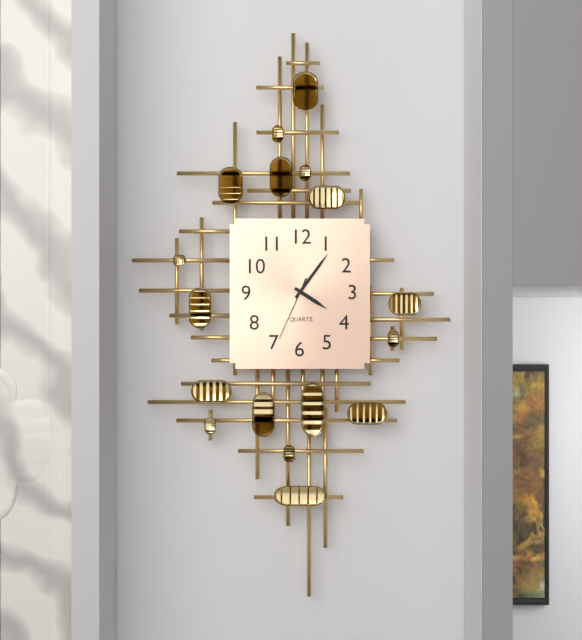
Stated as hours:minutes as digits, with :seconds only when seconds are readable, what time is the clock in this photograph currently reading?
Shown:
4:06:34
